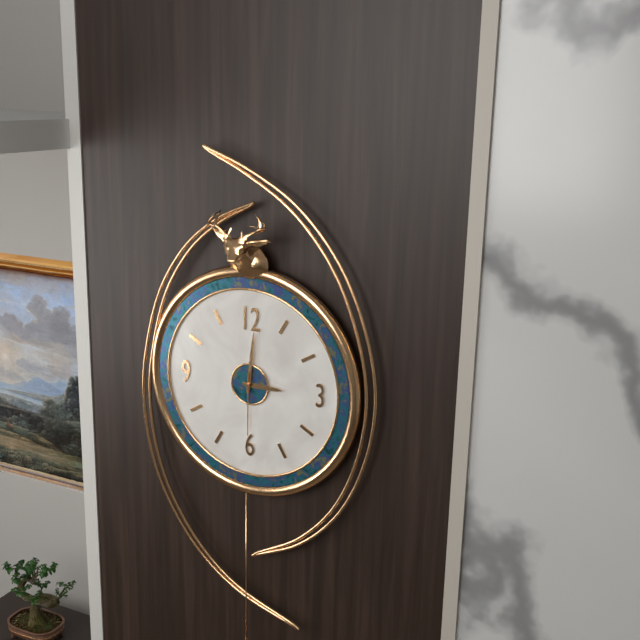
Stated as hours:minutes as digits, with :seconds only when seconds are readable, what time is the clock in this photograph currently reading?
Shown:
3:01:30
